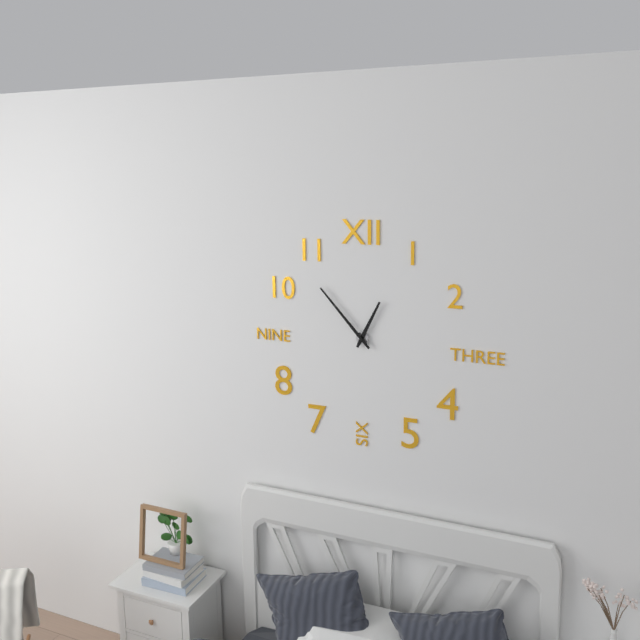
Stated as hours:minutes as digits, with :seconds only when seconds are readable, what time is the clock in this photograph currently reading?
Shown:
12:53
